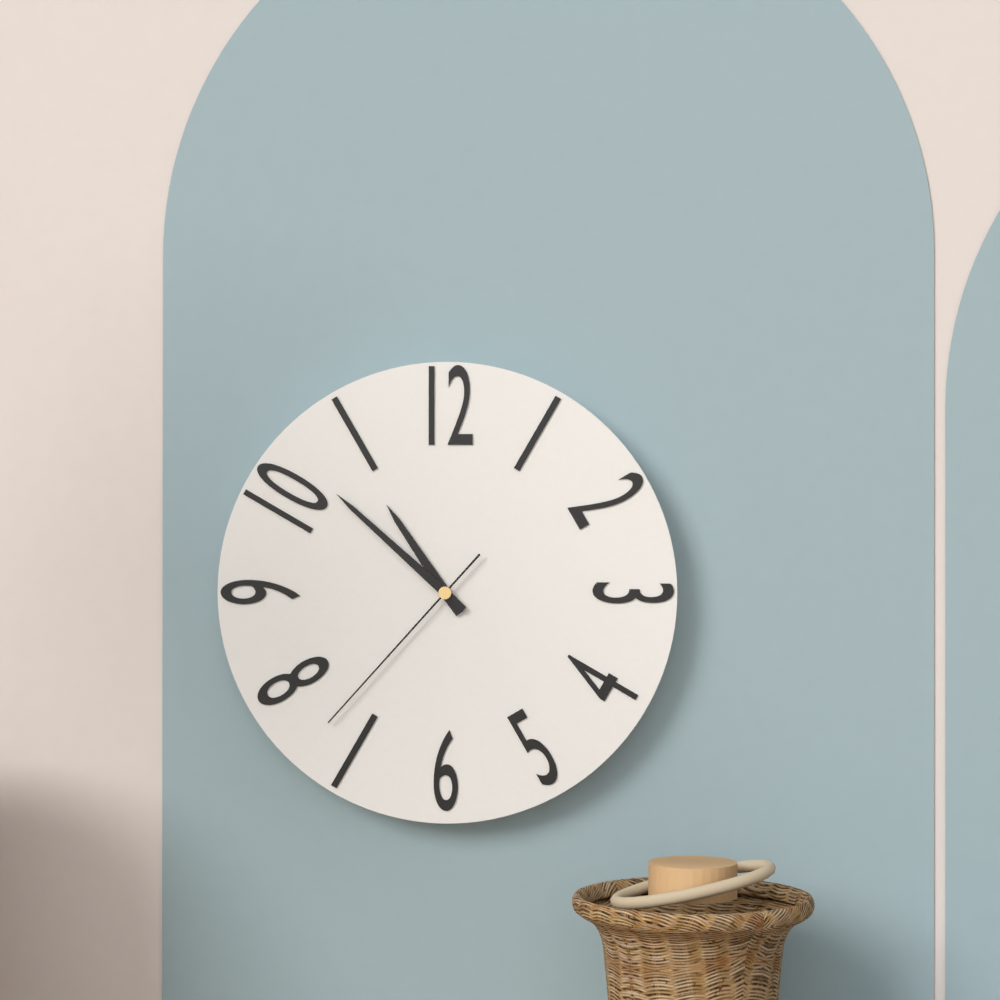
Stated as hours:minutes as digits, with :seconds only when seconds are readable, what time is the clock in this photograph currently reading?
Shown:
10:52:37
